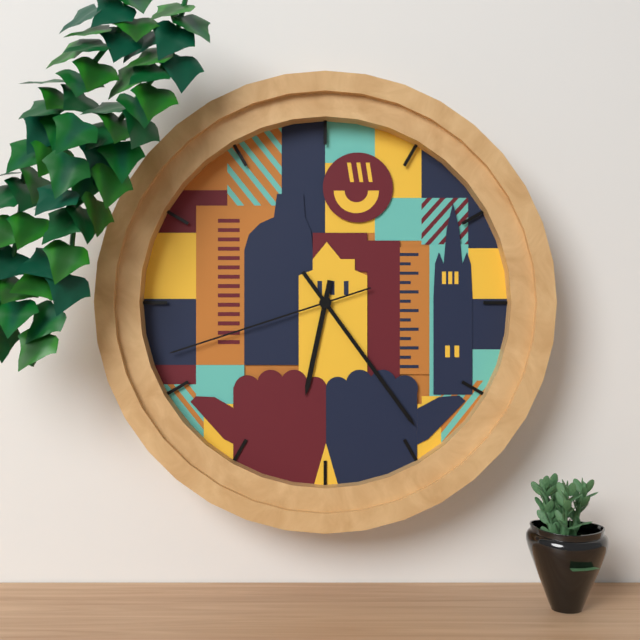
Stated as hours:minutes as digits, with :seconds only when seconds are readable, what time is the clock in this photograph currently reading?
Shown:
6:24:42
